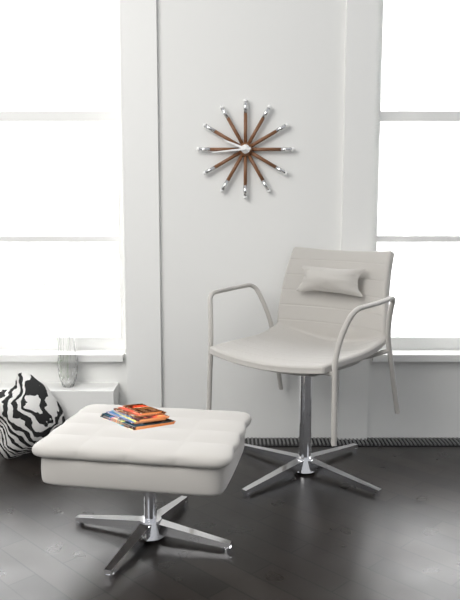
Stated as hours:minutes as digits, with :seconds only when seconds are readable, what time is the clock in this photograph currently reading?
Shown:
9:44
